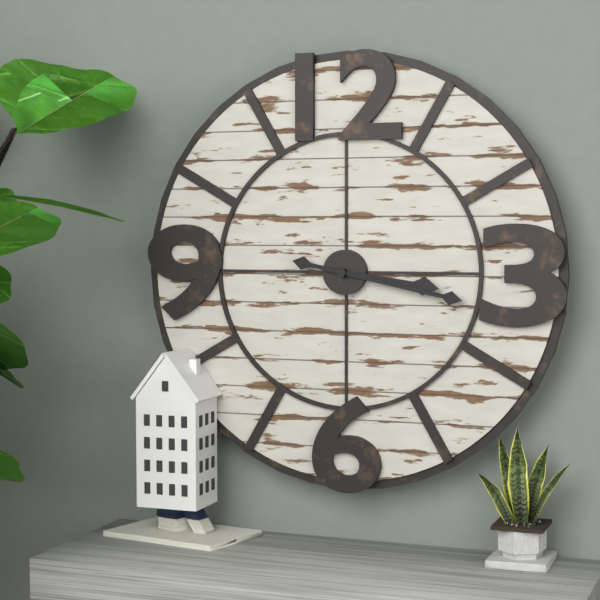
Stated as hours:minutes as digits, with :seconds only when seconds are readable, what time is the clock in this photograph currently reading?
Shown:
3:17
